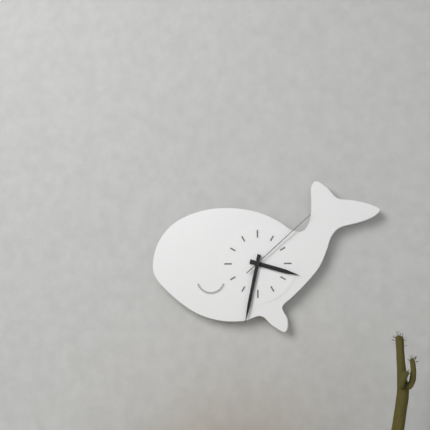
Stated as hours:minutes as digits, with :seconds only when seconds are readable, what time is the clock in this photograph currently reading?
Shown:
3:32:08
